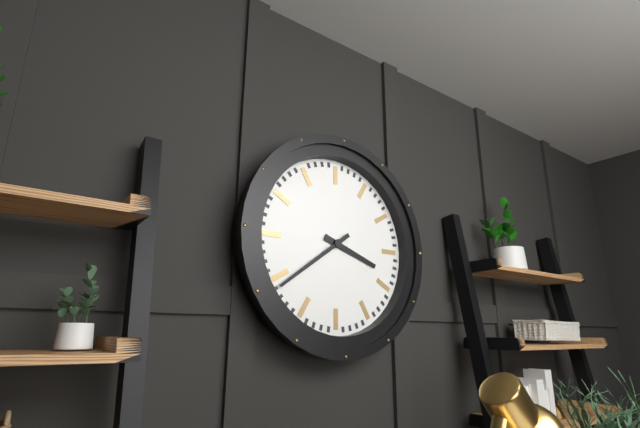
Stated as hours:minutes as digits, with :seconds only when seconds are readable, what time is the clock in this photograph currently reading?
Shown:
3:39
